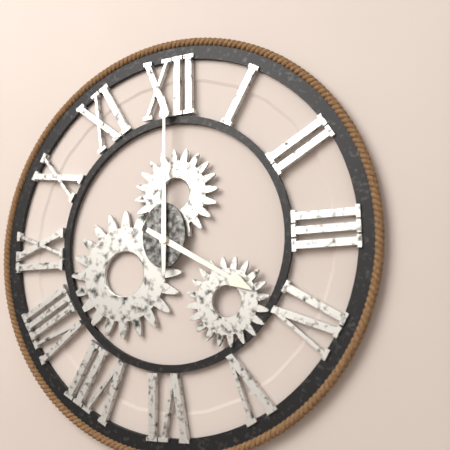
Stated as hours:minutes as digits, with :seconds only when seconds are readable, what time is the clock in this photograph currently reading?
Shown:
4:00
